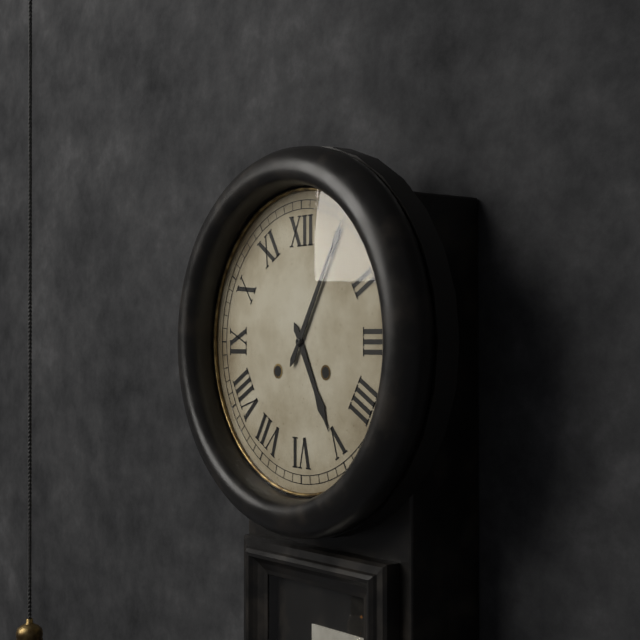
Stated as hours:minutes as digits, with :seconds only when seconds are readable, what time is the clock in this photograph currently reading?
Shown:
5:05
